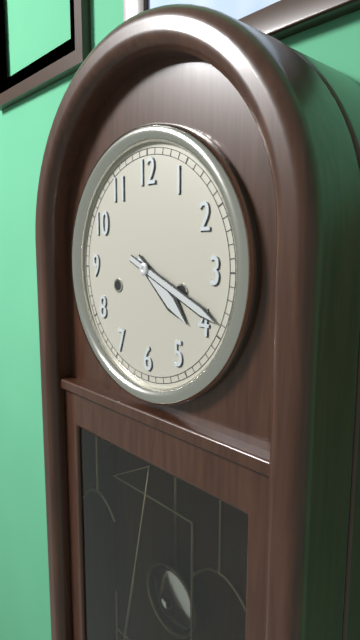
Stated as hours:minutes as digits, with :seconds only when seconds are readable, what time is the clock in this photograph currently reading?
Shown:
4:19
